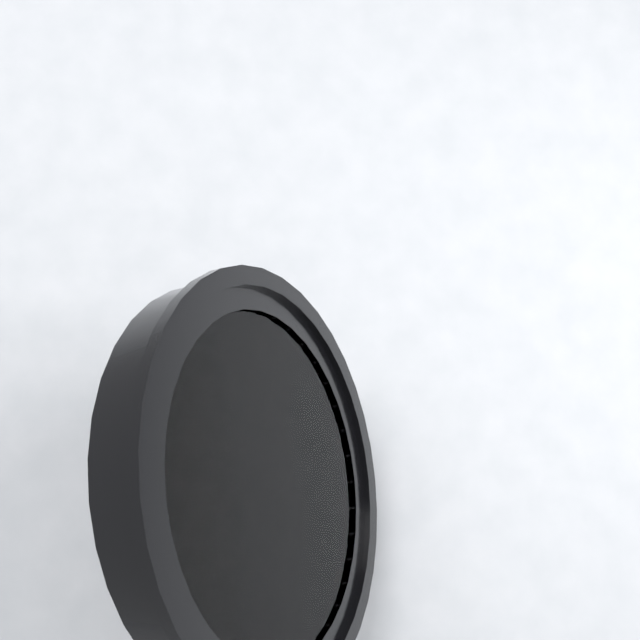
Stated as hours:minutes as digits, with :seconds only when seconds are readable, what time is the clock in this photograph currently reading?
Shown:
1:04:59
